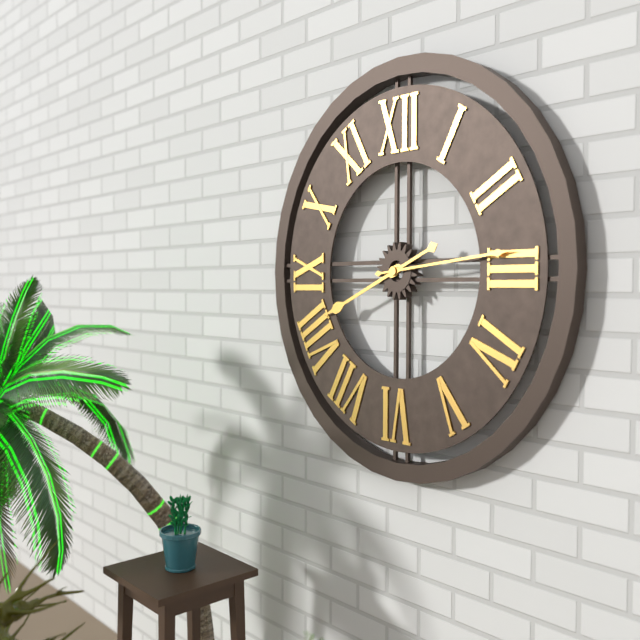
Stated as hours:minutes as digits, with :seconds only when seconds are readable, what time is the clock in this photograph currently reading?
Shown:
8:14
